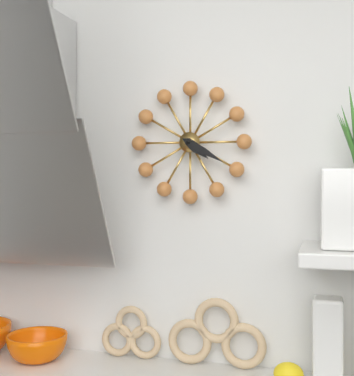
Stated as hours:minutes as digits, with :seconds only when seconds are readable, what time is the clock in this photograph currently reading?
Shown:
4:20
